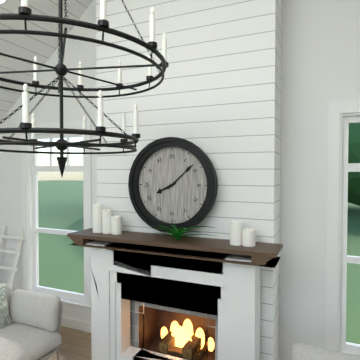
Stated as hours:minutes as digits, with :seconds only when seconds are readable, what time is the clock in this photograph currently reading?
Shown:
8:08
